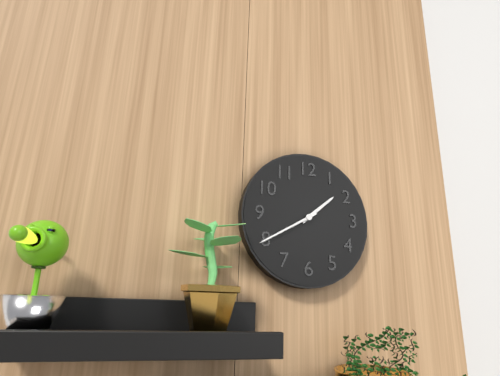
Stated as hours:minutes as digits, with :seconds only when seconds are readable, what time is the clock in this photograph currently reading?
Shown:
1:40
